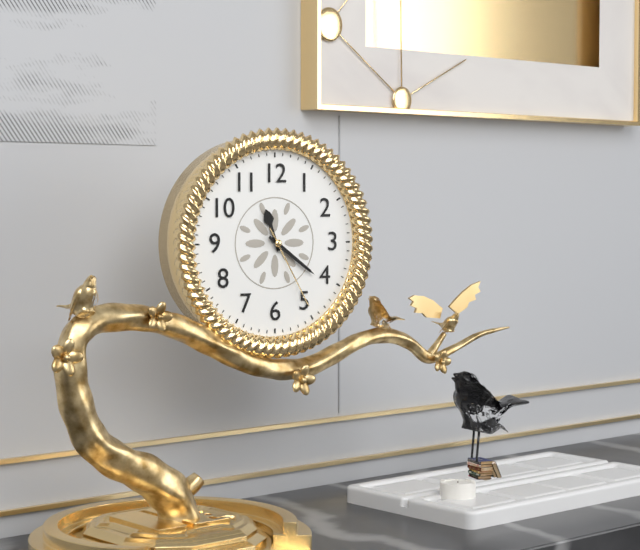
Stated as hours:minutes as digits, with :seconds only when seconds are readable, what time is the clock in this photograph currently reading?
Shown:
11:21:25
